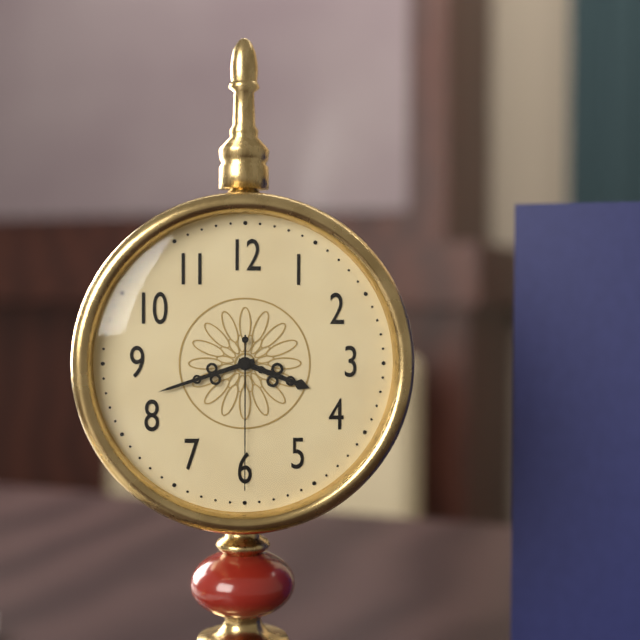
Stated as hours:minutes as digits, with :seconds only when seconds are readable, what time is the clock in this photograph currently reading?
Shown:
3:42:30
